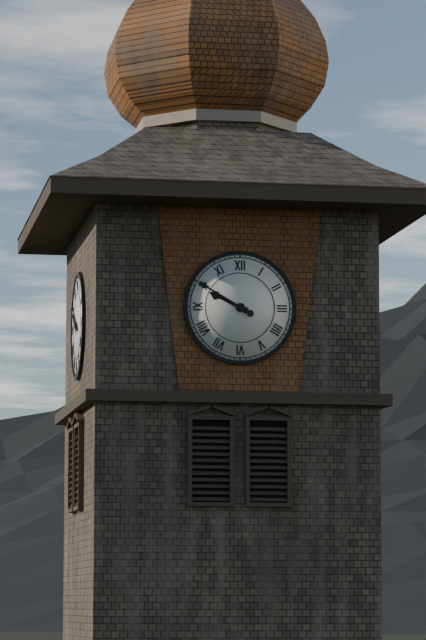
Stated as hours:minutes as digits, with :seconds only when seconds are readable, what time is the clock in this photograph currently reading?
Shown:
9:50
